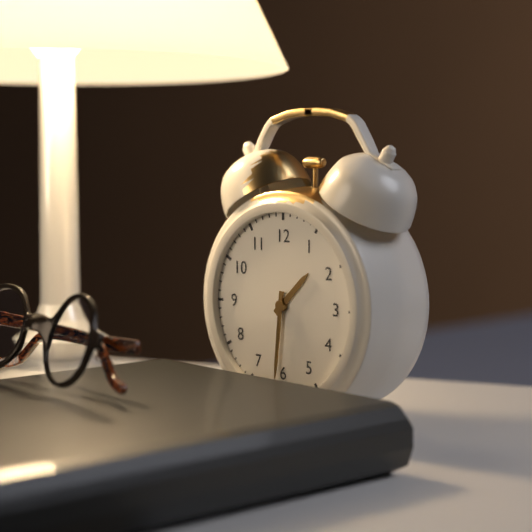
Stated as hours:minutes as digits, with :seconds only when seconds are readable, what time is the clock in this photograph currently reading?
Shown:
1:31
